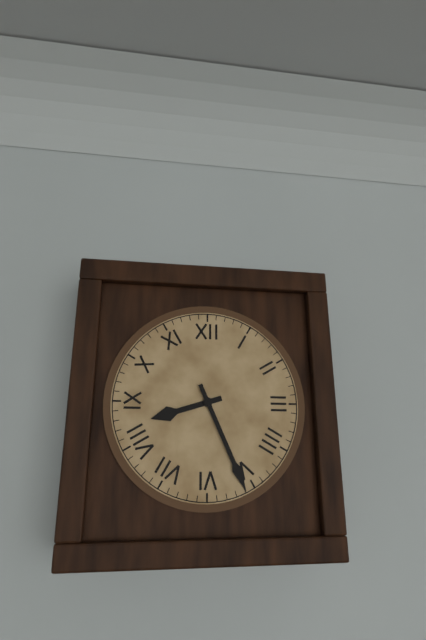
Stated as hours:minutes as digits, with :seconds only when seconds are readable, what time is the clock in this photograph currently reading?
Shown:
8:26
